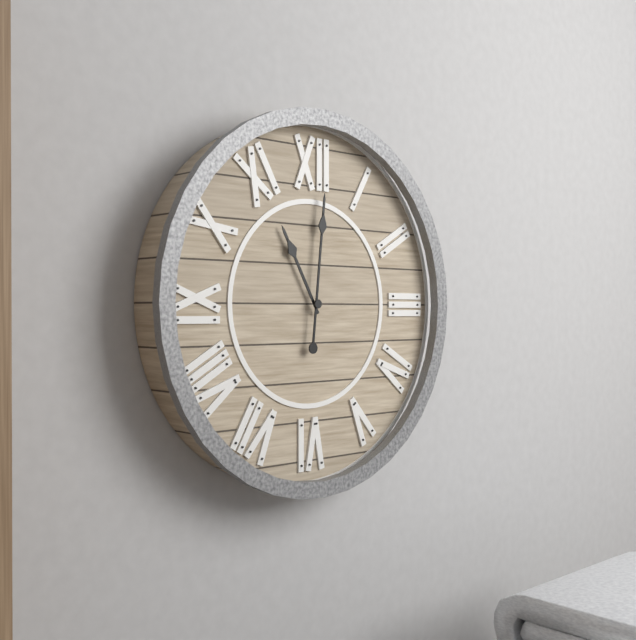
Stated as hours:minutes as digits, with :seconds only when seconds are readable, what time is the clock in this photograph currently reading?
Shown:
11:01
